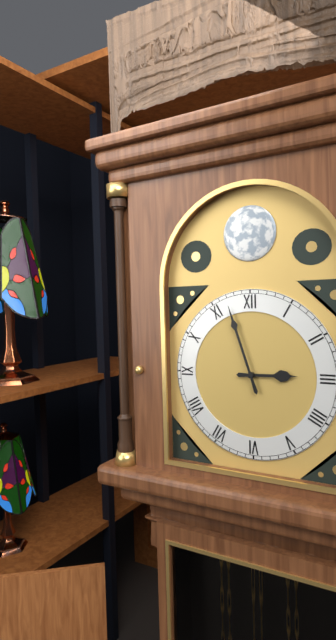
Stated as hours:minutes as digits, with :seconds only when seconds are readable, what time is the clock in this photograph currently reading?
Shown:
2:57
